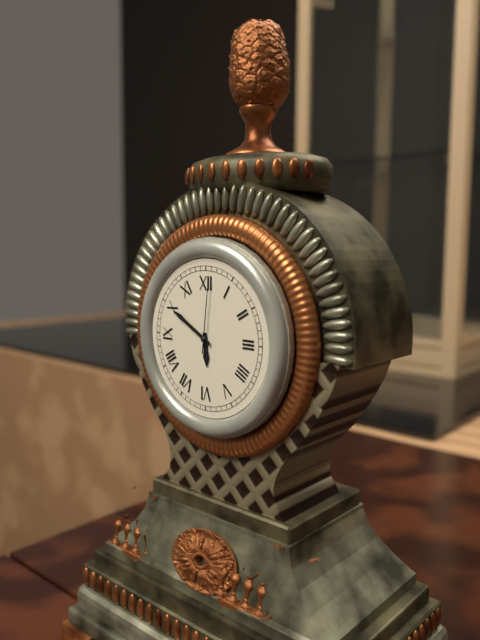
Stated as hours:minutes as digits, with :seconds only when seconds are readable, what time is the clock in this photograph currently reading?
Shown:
5:50:01
